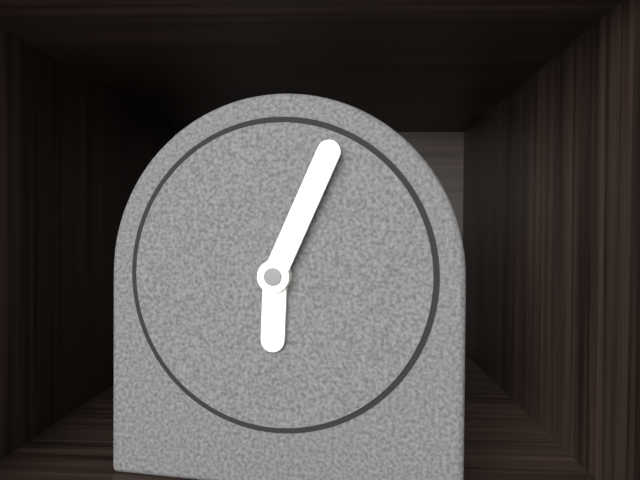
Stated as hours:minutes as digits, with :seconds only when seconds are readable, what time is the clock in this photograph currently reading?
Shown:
6:04
